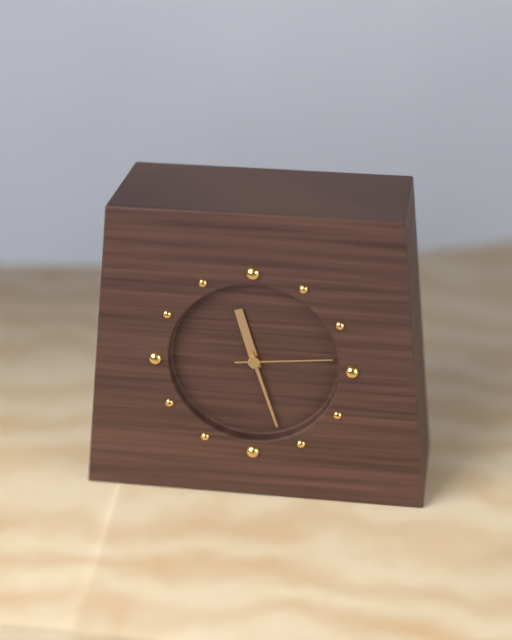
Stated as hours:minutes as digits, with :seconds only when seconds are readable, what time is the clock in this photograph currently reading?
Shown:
11:27:14
